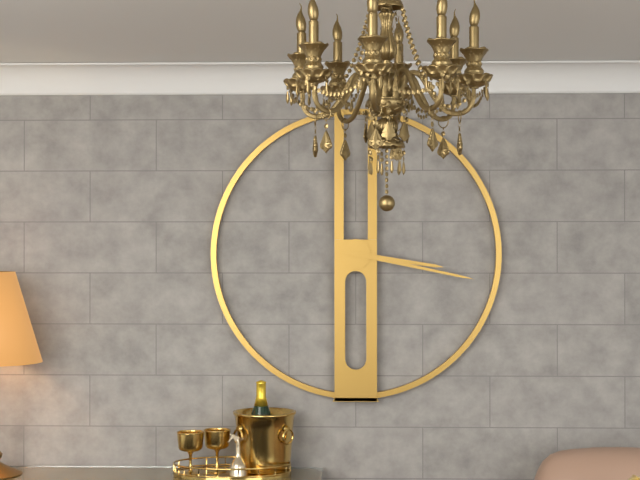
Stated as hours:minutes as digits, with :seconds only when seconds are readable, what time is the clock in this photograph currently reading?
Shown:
3:17
